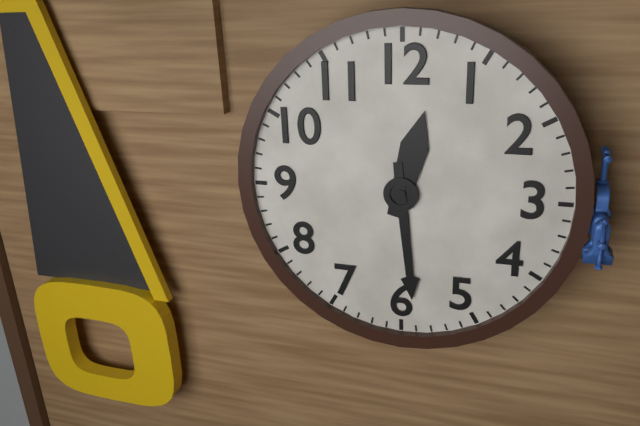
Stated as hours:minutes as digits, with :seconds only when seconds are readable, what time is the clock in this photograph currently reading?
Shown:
12:29
